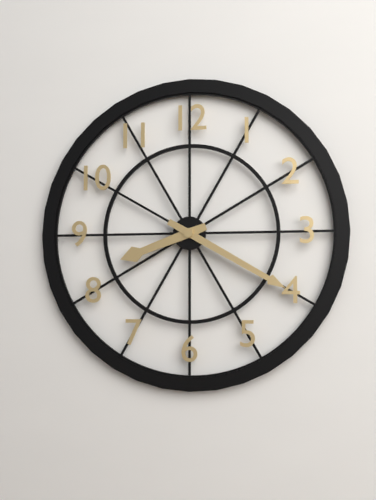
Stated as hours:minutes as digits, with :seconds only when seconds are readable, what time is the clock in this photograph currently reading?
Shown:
8:20
